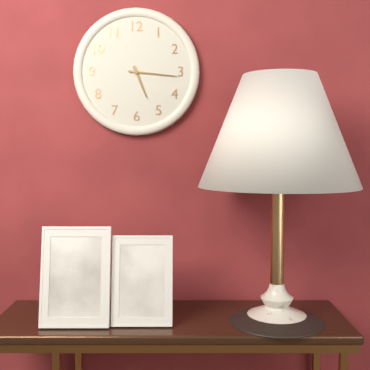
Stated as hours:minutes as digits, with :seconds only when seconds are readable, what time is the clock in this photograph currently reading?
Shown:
5:16
